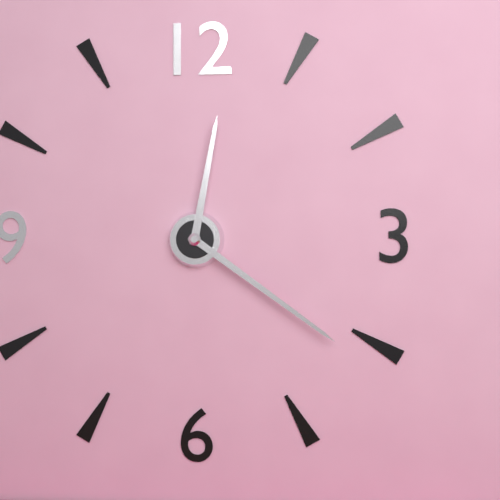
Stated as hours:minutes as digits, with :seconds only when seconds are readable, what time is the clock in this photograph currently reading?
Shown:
12:21
